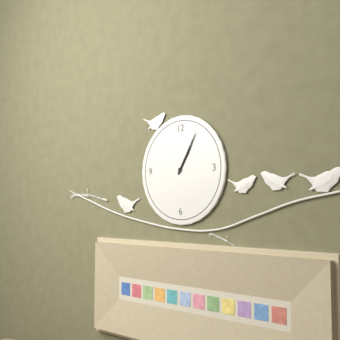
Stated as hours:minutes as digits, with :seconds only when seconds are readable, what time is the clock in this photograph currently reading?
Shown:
1:05
